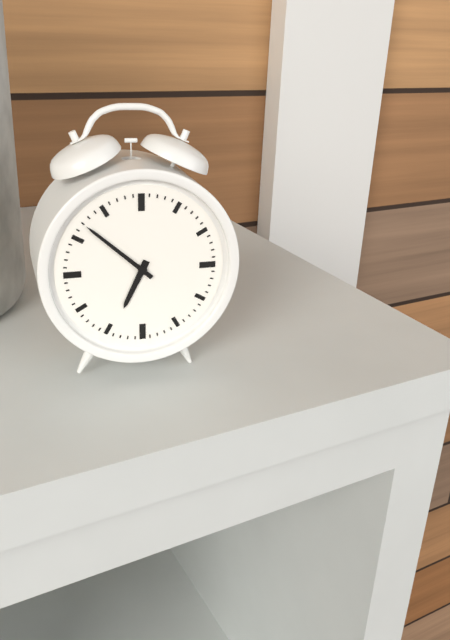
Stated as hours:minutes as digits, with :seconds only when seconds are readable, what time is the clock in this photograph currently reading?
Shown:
6:52
